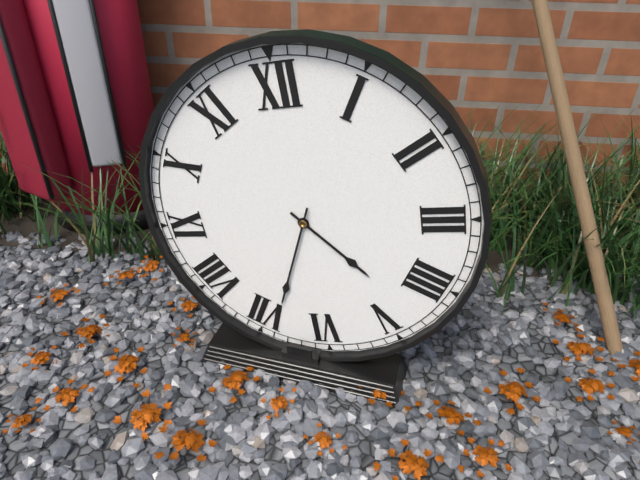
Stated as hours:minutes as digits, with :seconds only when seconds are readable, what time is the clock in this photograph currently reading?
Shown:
4:34
